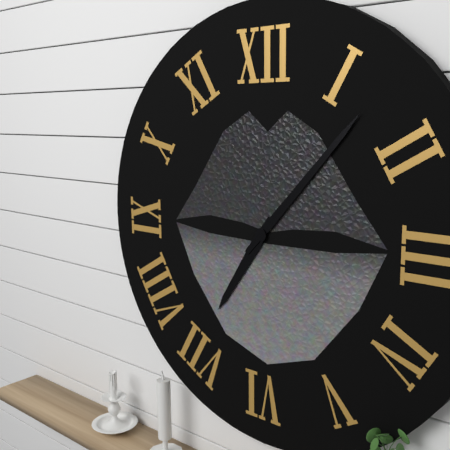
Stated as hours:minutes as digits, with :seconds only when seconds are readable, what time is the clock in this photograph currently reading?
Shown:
7:07
